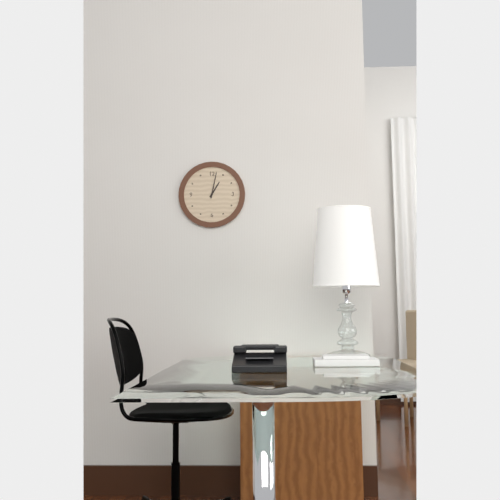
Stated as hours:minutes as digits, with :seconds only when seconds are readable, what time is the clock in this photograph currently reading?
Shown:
1:02
